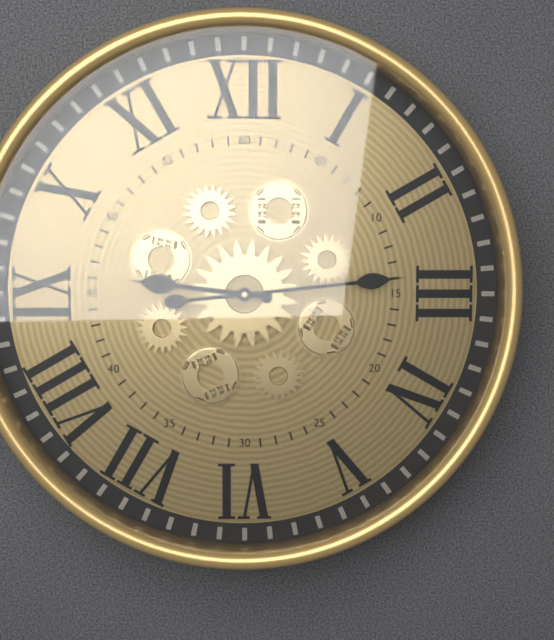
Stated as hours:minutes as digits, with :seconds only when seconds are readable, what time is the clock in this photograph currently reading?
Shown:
9:14
